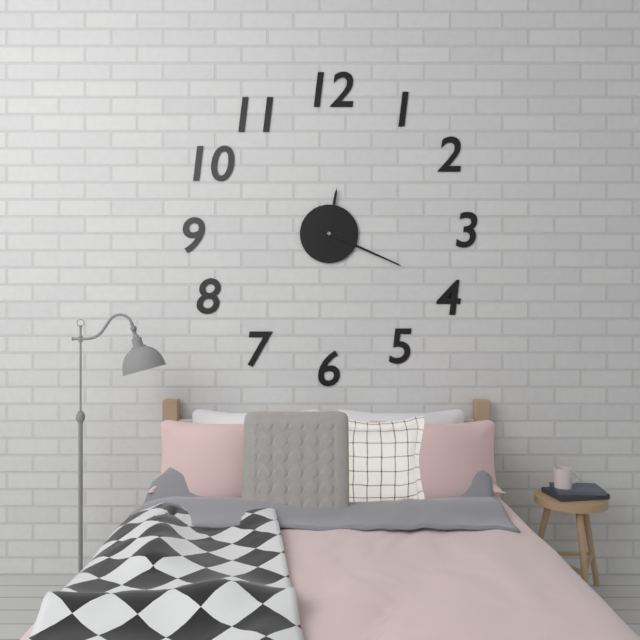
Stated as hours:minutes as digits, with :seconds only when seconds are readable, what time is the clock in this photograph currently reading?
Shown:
12:19
